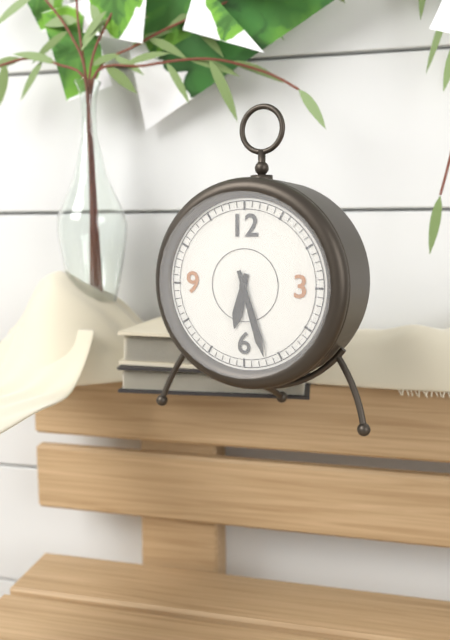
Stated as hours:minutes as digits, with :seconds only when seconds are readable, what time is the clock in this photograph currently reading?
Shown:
6:27
